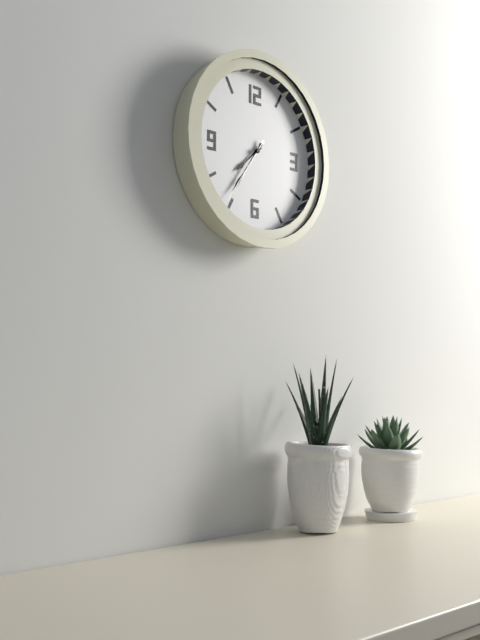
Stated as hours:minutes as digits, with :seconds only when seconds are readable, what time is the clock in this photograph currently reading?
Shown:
7:36:36
